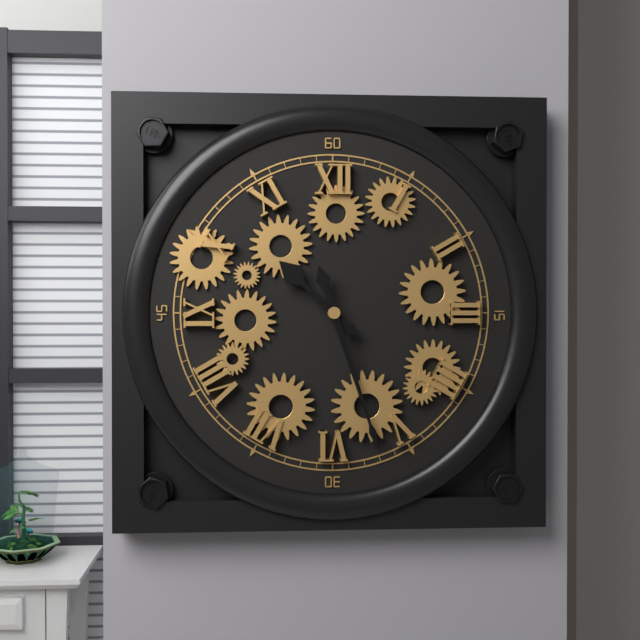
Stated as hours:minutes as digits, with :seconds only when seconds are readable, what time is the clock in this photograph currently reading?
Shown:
10:27
